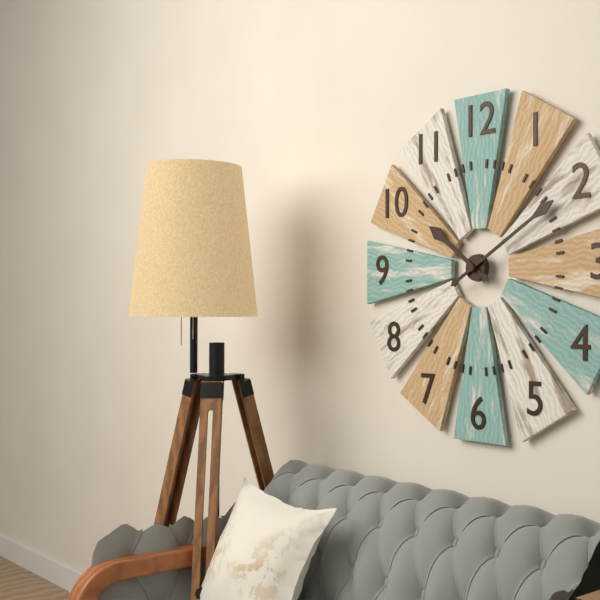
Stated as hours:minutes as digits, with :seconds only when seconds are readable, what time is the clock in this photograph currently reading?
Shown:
10:10
